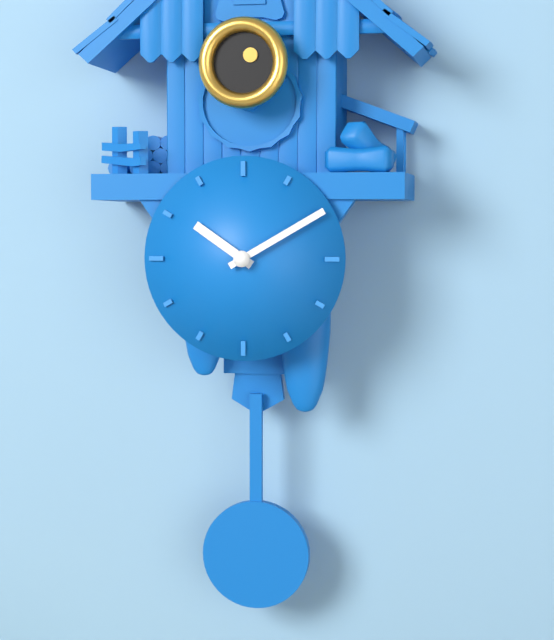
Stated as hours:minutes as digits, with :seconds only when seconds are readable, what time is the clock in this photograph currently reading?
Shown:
10:10
